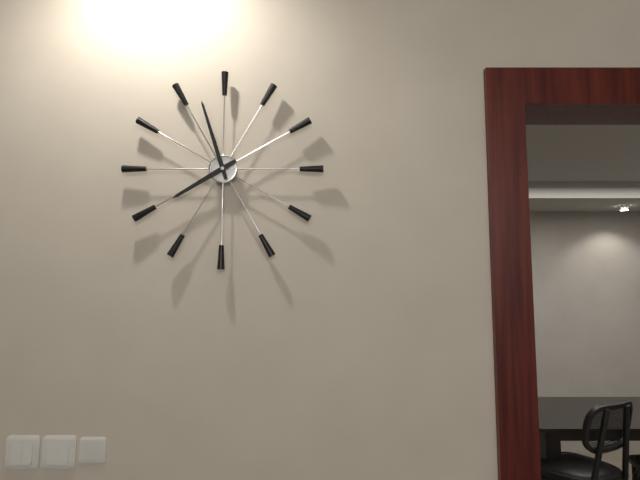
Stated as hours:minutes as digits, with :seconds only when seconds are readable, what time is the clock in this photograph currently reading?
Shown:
7:57
